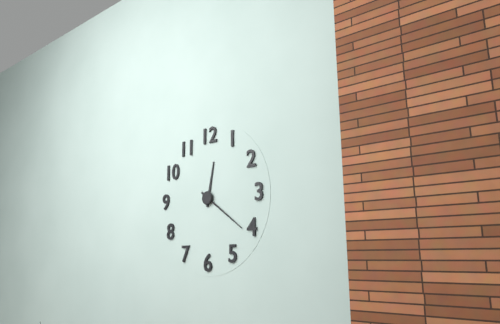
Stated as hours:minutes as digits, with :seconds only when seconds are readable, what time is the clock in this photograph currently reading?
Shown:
12:21
